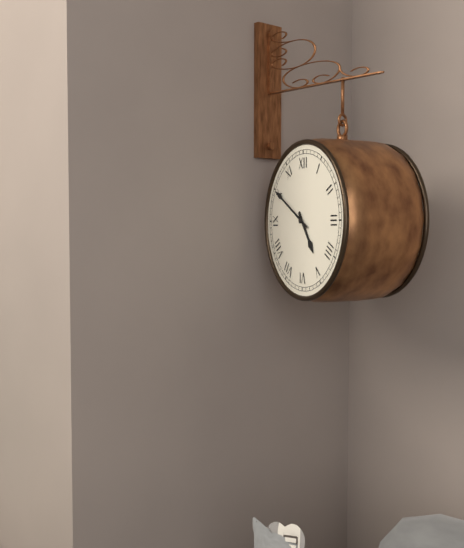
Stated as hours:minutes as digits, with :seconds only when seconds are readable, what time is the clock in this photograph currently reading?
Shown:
4:50
